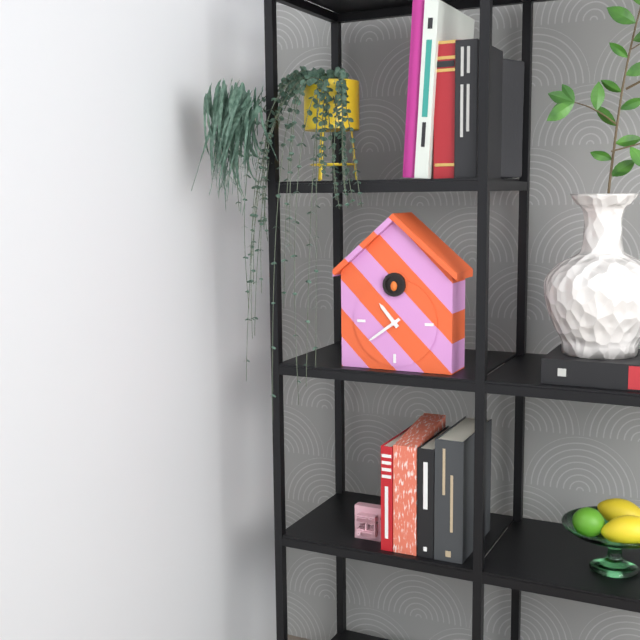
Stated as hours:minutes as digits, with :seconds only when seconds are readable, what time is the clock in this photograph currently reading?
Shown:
10:39
